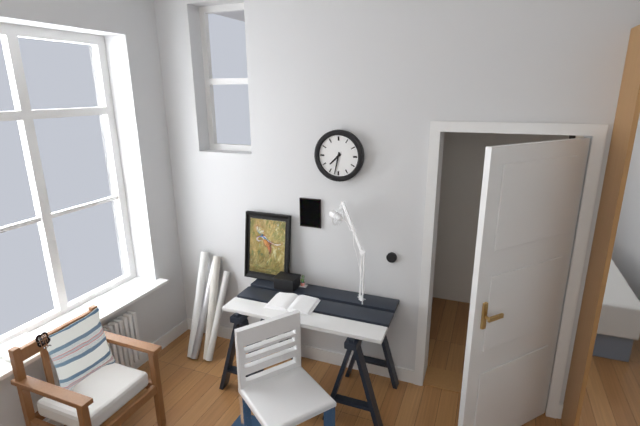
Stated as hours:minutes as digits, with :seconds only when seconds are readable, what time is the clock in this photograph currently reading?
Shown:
7:32
